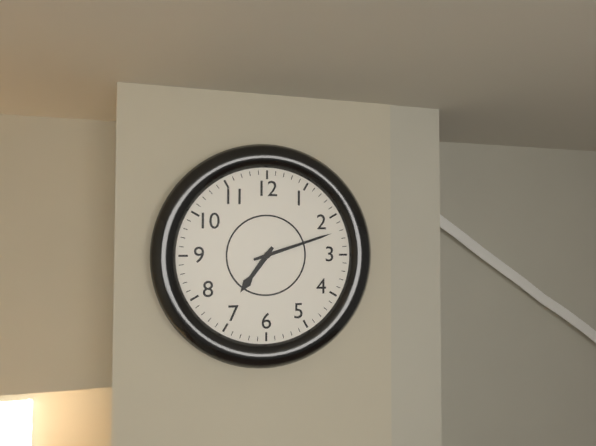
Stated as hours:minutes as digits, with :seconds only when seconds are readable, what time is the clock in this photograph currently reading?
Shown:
7:12
